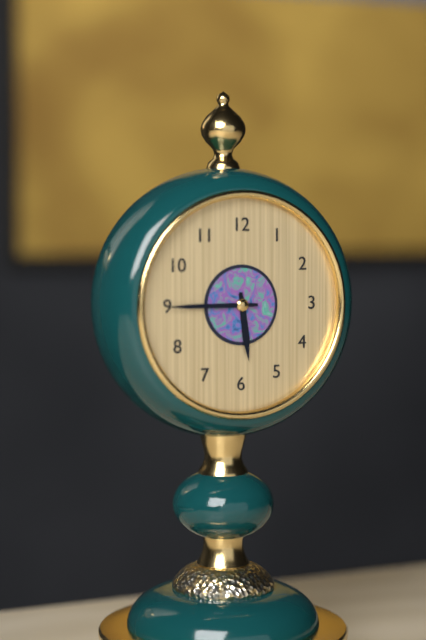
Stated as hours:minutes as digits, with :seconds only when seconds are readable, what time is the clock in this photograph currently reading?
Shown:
5:45
